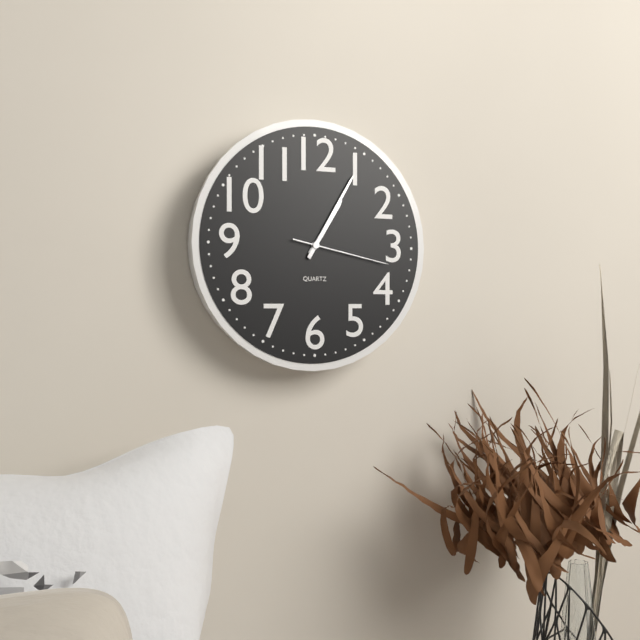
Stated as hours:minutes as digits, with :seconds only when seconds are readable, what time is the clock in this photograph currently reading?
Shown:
1:05:17
